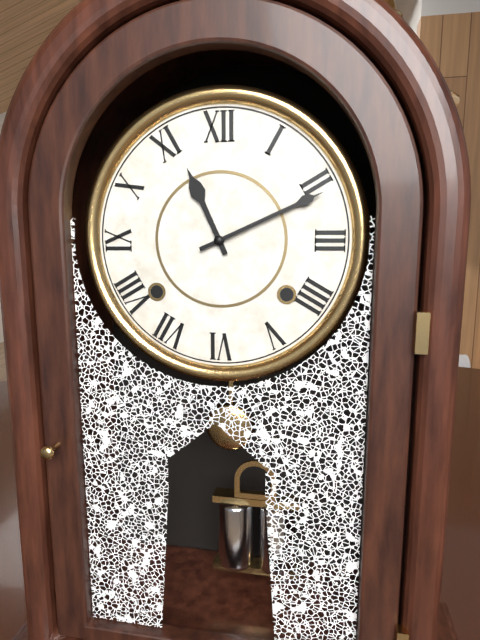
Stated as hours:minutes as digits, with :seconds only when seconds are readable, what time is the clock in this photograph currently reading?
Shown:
11:11
